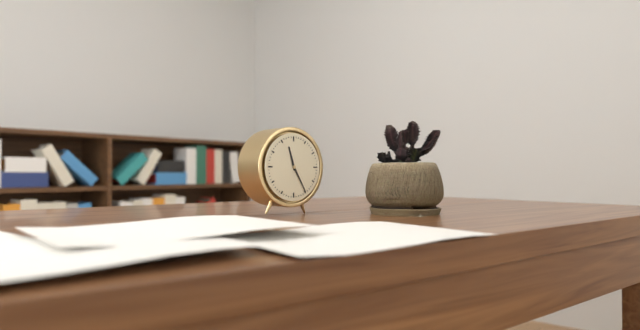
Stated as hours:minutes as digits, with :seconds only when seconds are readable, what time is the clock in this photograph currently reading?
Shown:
11:25
